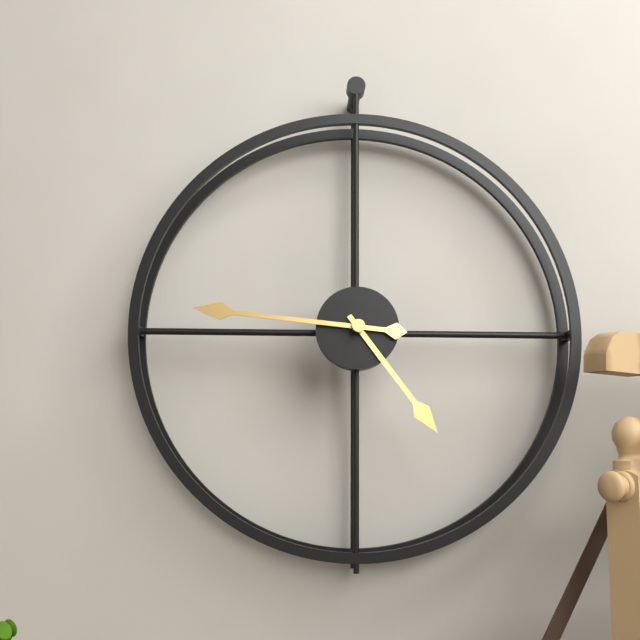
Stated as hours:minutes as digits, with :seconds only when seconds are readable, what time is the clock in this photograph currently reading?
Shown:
4:46
